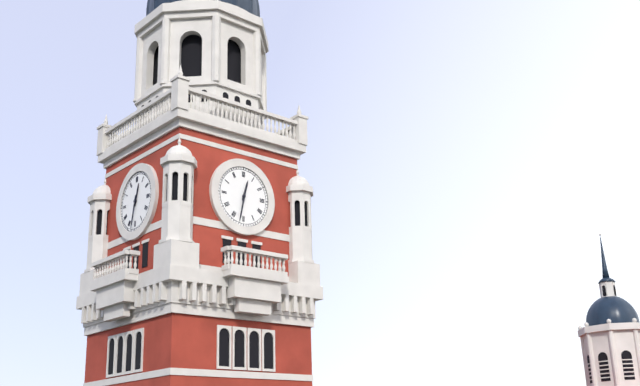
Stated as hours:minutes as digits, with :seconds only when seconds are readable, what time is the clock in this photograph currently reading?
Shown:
12:32
